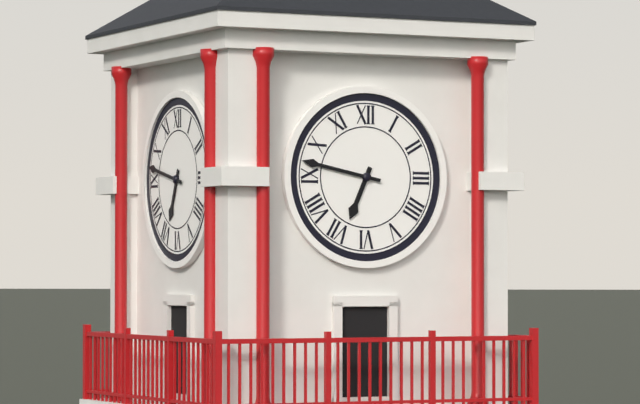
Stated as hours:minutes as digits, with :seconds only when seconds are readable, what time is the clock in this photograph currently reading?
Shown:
6:47
